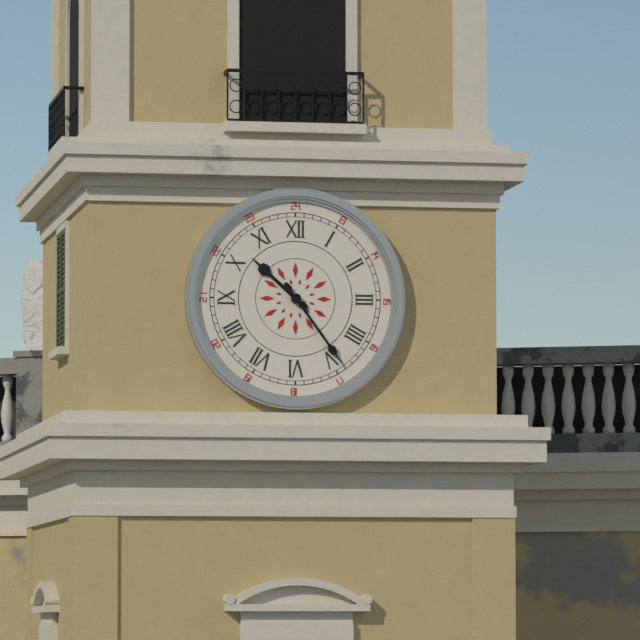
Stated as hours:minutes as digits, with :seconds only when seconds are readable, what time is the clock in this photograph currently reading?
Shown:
10:24
